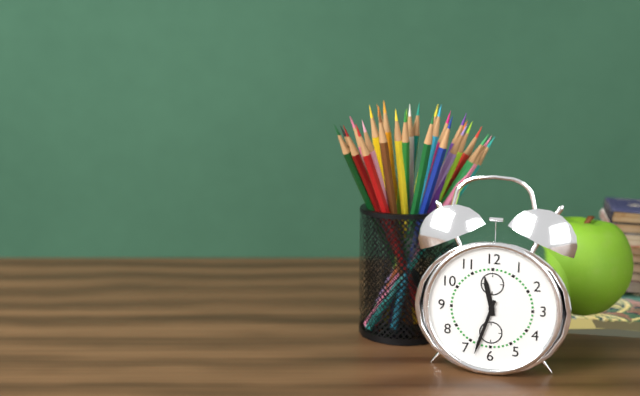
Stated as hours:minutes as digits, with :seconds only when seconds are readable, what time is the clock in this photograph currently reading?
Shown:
11:33
